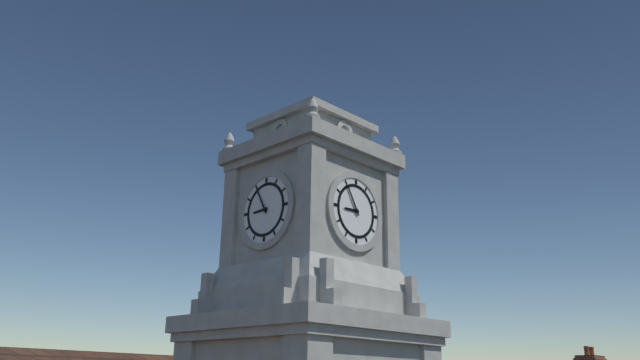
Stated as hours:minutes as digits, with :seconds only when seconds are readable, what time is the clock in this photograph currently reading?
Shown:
8:55
